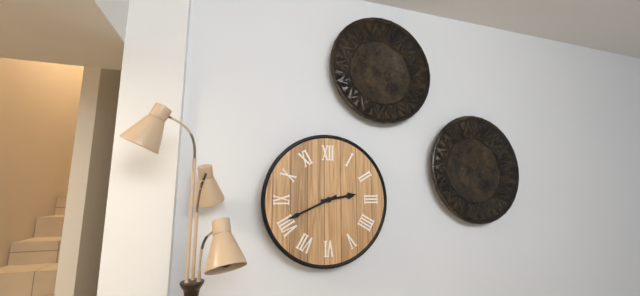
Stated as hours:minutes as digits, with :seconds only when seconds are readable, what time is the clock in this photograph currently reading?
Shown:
2:41
